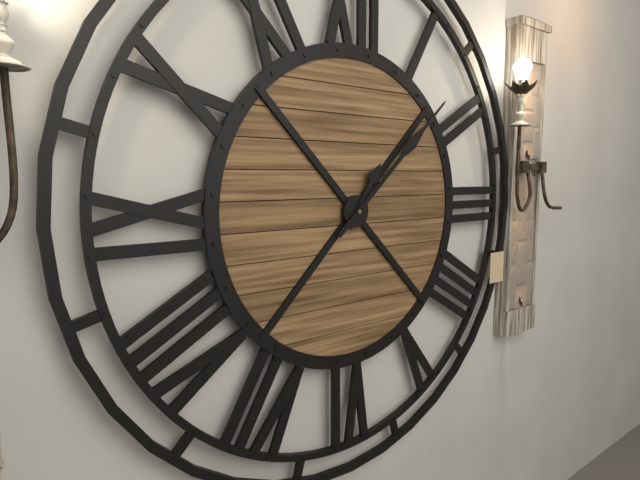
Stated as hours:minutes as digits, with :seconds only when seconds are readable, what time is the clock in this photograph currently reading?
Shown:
1:08
